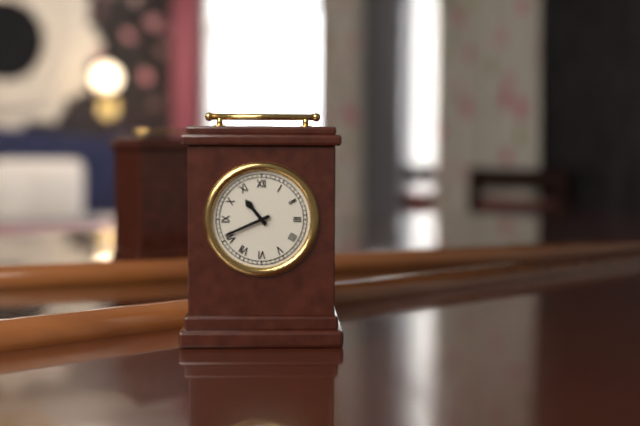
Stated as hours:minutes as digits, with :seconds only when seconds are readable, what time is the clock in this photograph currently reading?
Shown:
10:41
